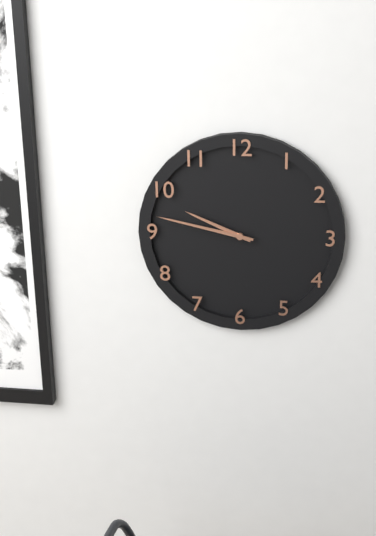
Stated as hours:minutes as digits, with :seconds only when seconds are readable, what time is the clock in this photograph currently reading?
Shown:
9:47
